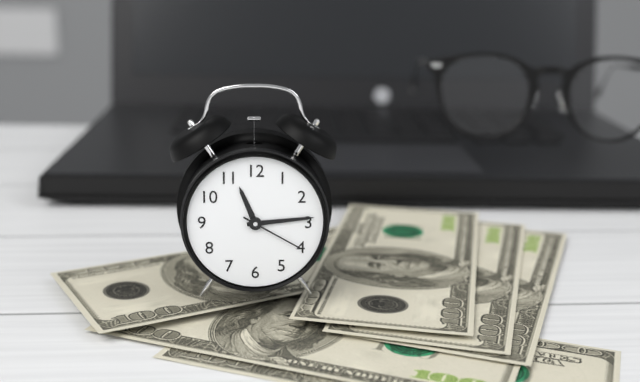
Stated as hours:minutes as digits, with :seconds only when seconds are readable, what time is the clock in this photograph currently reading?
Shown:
11:14:20
